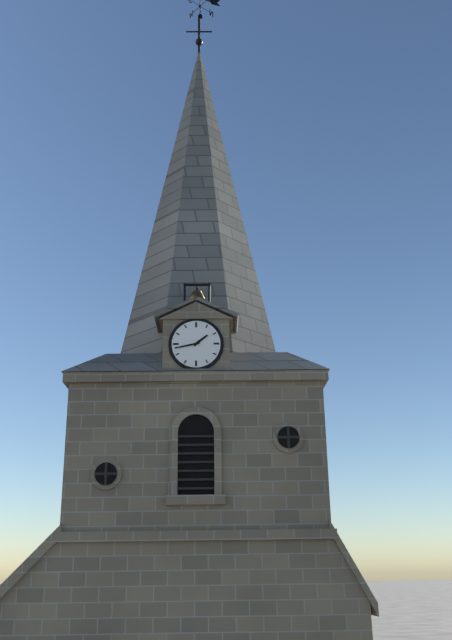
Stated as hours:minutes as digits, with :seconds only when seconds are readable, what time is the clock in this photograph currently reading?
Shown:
1:43
